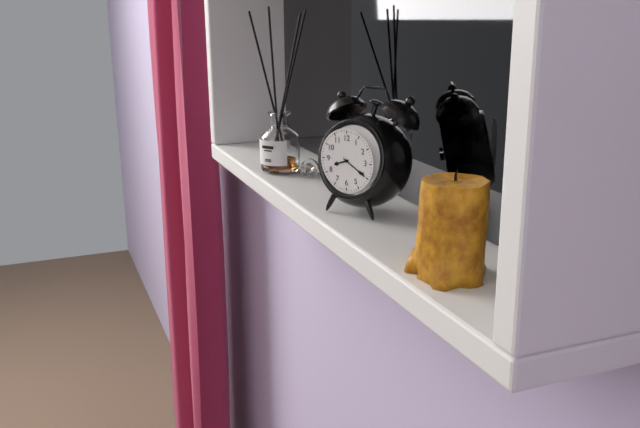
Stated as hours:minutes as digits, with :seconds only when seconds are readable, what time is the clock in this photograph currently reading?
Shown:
8:20
